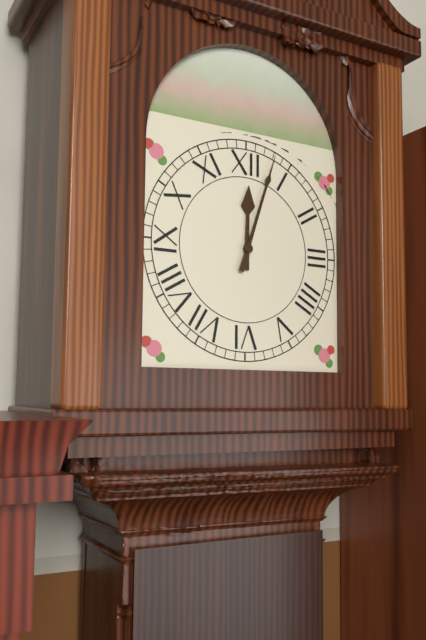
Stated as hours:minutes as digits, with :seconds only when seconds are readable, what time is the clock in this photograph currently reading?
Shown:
12:03
